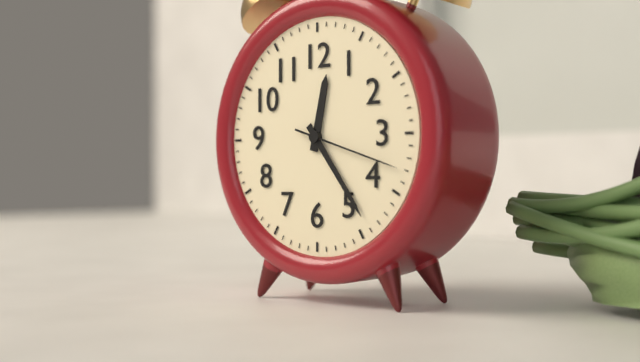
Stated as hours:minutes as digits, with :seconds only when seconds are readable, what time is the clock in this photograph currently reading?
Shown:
12:24:18
